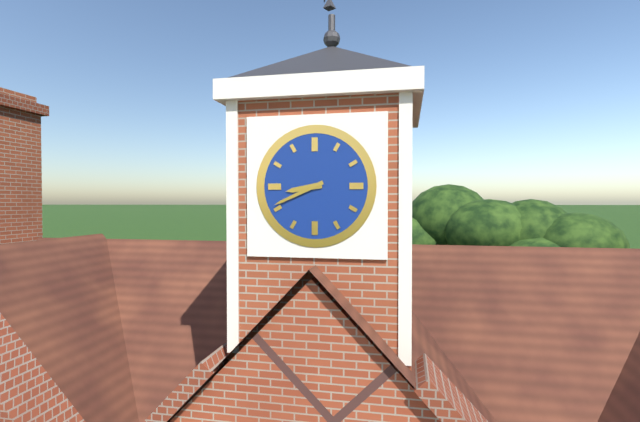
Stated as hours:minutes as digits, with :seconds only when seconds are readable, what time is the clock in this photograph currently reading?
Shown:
8:41
